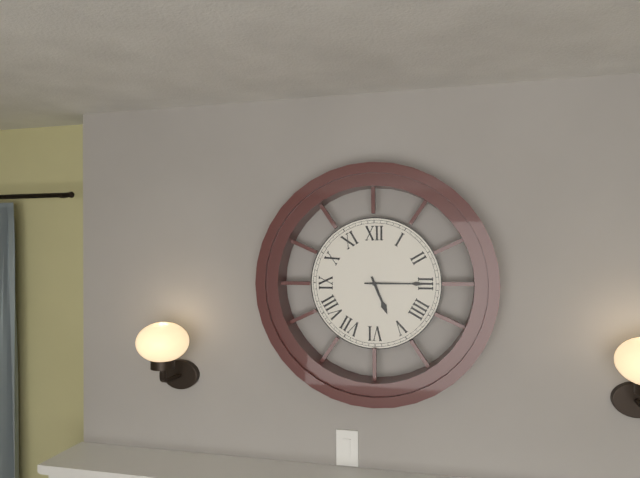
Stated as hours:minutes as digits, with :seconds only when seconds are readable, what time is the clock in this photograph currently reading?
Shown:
5:15
